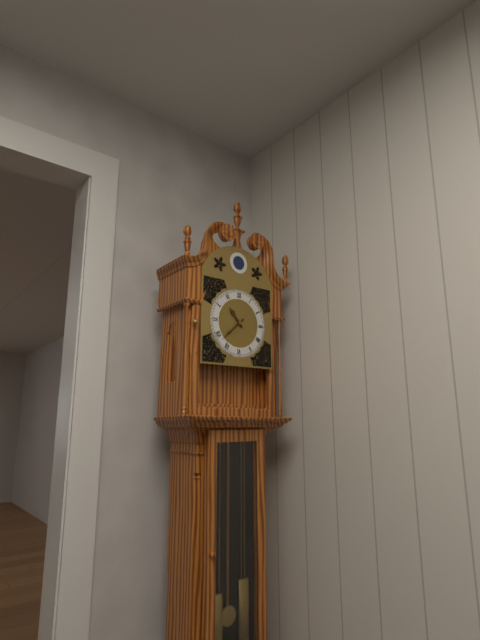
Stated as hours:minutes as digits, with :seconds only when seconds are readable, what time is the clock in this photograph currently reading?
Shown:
10:38
